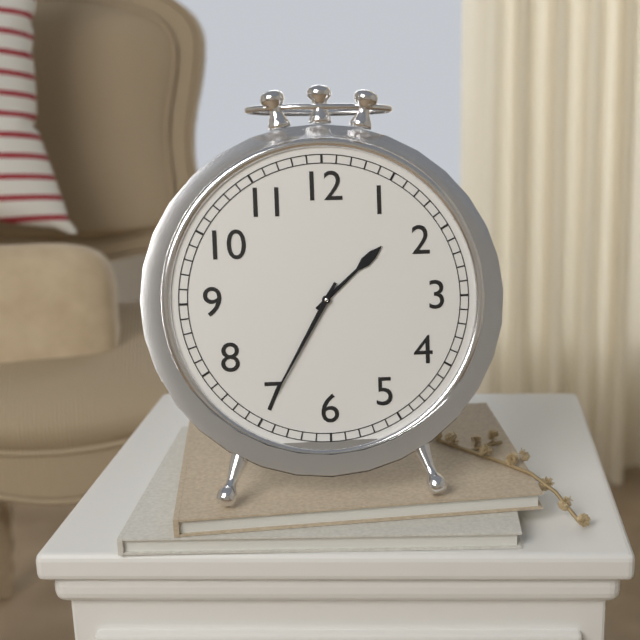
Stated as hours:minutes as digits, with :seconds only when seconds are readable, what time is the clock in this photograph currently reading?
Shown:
1:35
